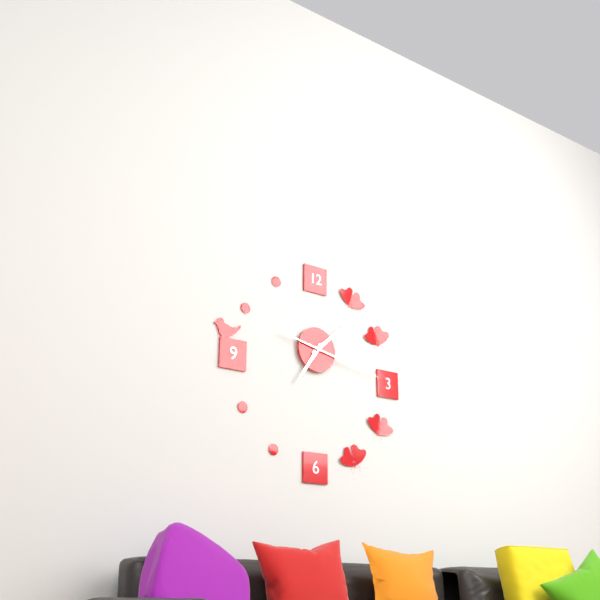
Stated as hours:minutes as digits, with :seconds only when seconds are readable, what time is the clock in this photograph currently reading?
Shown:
7:08:17
